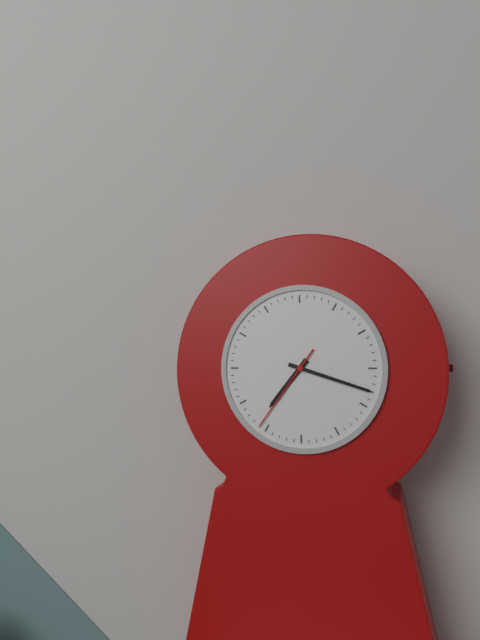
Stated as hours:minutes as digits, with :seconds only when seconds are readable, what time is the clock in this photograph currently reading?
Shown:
7:18:36
